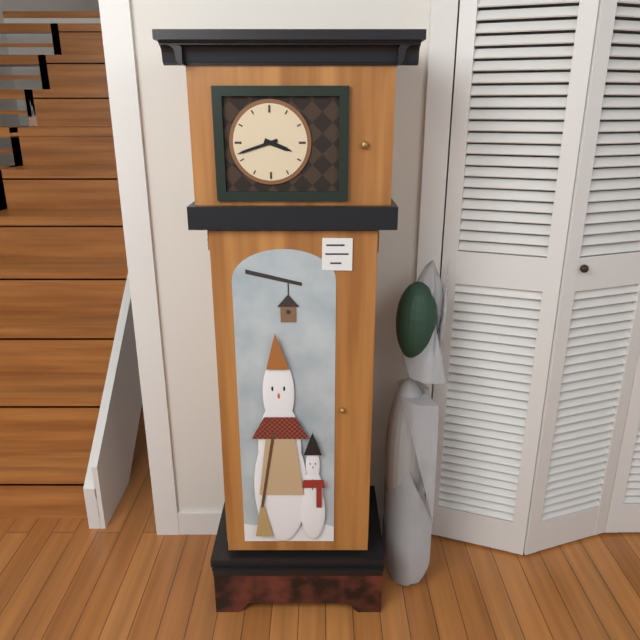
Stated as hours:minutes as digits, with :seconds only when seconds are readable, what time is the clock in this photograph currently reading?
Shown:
3:42
